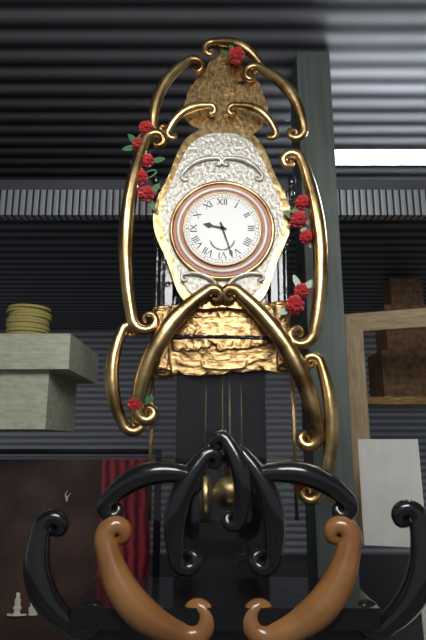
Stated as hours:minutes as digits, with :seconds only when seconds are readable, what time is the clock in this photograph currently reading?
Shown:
9:27
